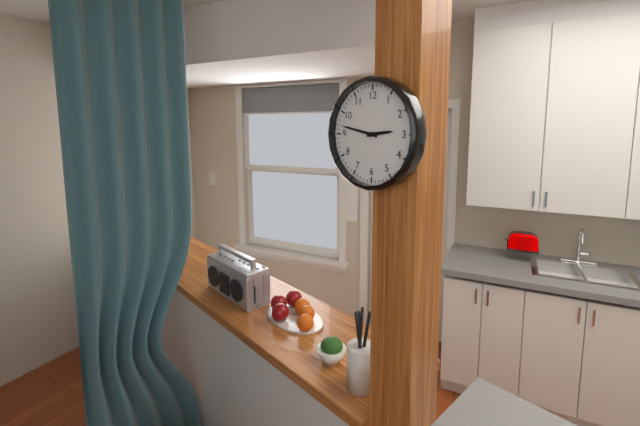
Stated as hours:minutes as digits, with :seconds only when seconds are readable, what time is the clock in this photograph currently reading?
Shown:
2:47
